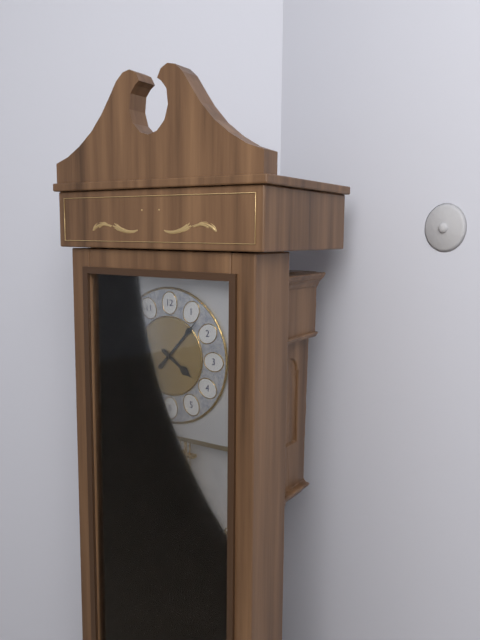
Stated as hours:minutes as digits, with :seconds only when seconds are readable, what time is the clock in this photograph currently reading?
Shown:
4:07
